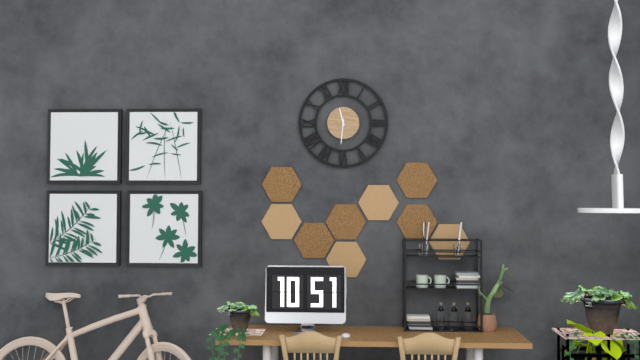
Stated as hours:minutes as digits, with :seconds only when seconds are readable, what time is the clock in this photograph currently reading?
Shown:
11:31
